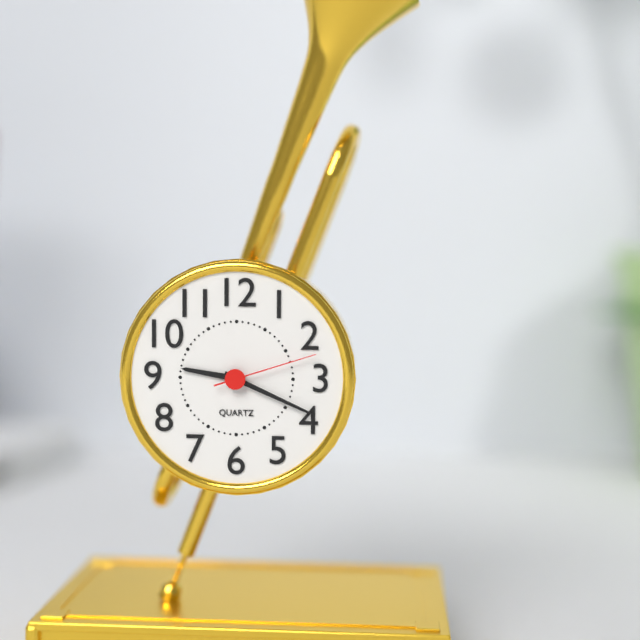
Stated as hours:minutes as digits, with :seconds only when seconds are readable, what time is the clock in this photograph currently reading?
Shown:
9:19:12
